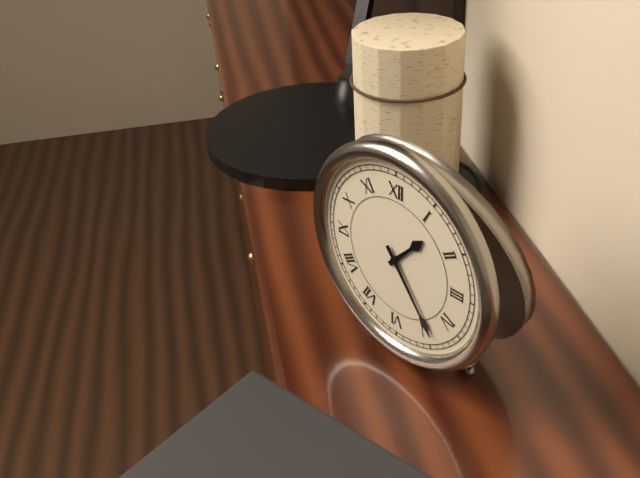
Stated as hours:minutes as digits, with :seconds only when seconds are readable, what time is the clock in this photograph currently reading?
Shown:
1:24
